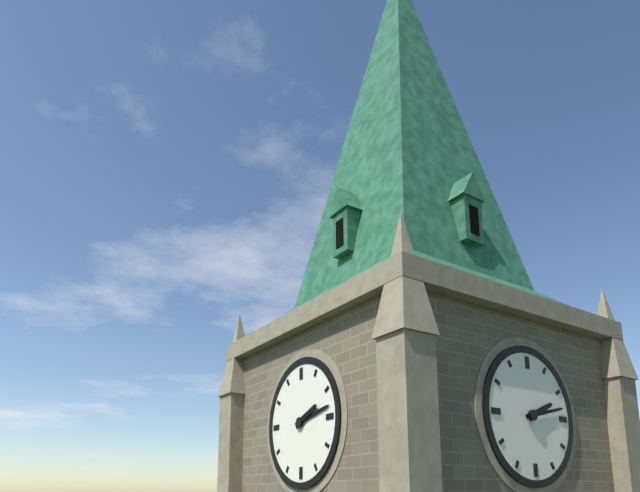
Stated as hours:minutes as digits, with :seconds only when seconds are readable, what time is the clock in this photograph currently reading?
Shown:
2:13
